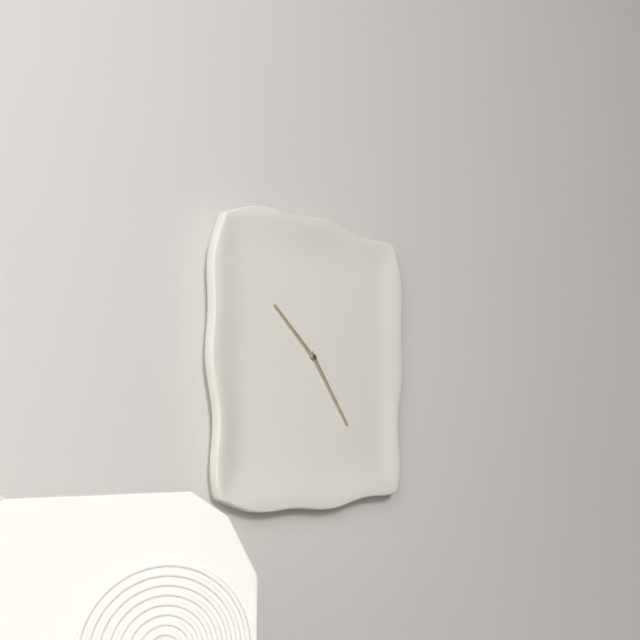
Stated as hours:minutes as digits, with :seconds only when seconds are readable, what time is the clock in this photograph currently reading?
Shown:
10:24
